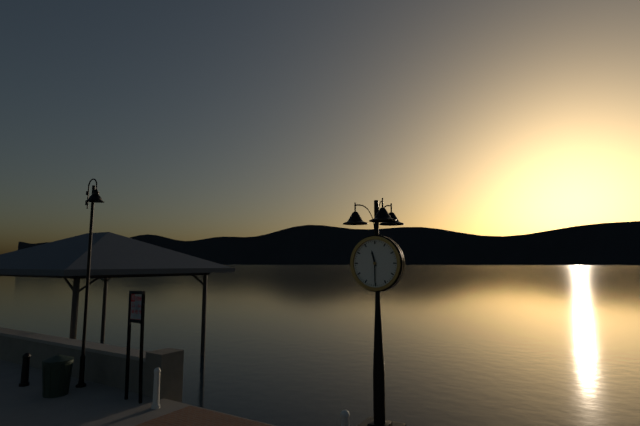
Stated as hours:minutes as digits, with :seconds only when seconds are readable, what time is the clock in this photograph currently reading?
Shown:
11:30
